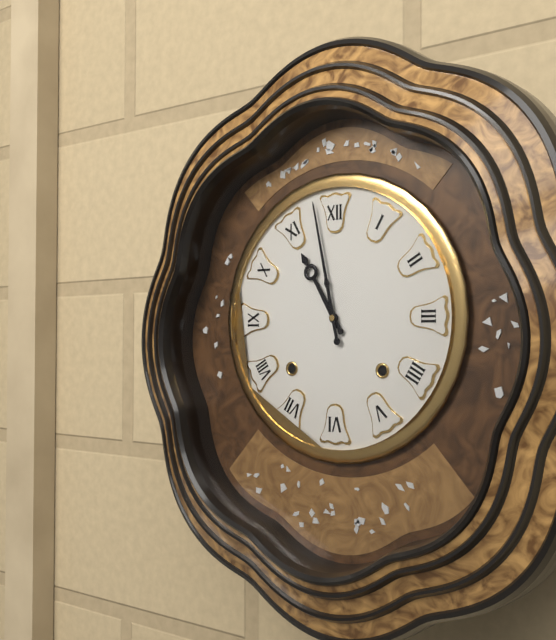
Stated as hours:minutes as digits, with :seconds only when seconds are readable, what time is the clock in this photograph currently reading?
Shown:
10:58
